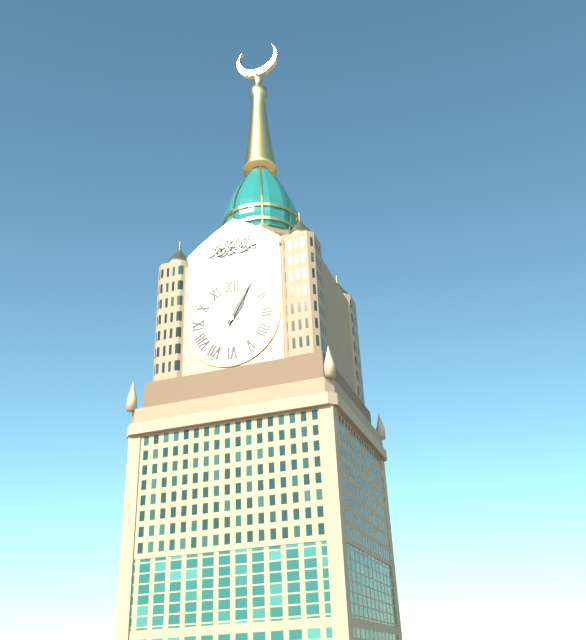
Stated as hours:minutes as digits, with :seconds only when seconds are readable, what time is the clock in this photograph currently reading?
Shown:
1:05
